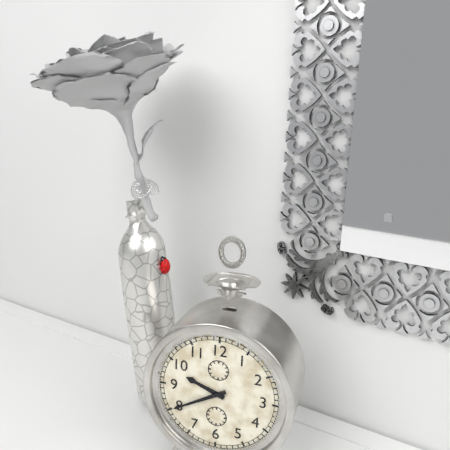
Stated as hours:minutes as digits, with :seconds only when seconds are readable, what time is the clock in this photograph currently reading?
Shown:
9:40
